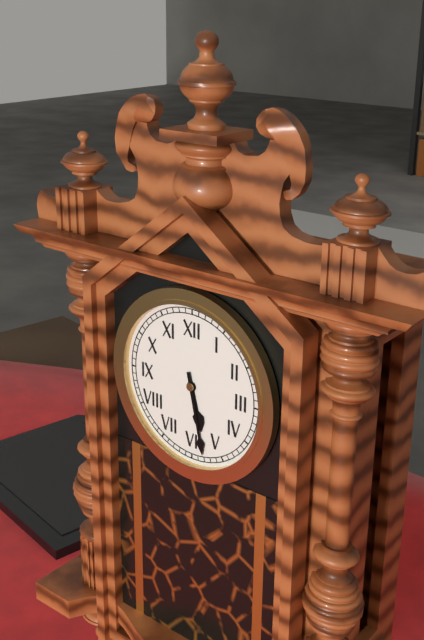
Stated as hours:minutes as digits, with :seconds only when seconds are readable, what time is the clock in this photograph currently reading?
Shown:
5:28
